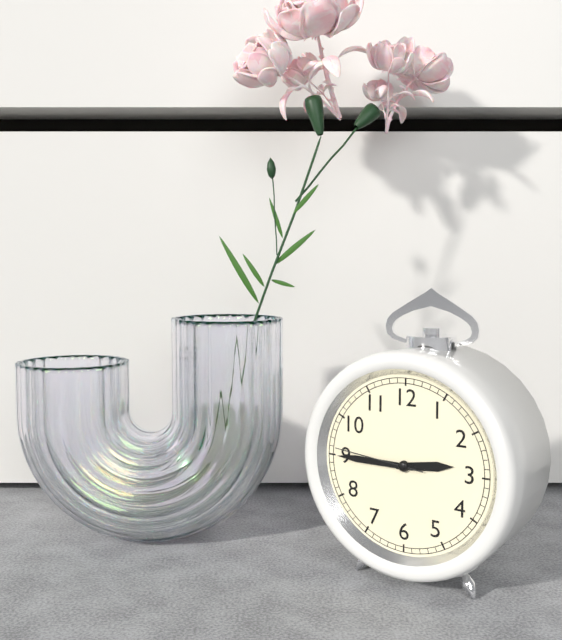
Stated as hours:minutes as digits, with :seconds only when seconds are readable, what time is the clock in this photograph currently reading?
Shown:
2:45:46
